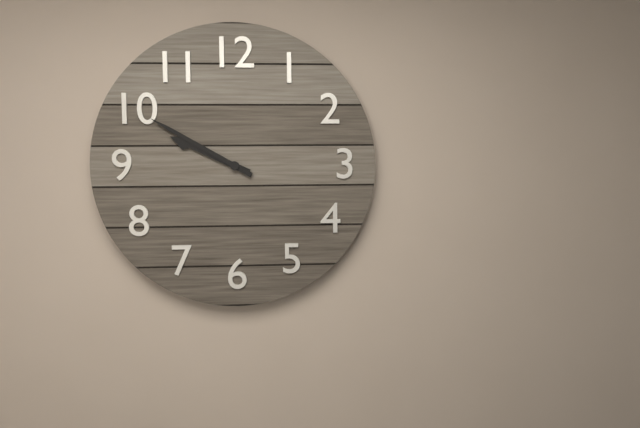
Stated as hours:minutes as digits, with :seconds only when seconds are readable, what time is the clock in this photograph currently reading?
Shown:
9:50
